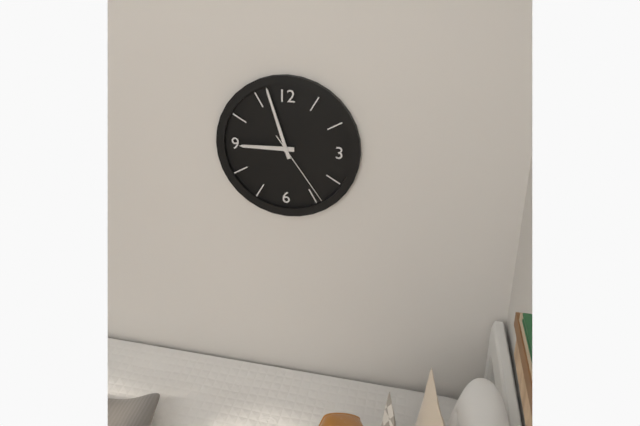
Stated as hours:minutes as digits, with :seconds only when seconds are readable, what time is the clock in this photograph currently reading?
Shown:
8:57:24
